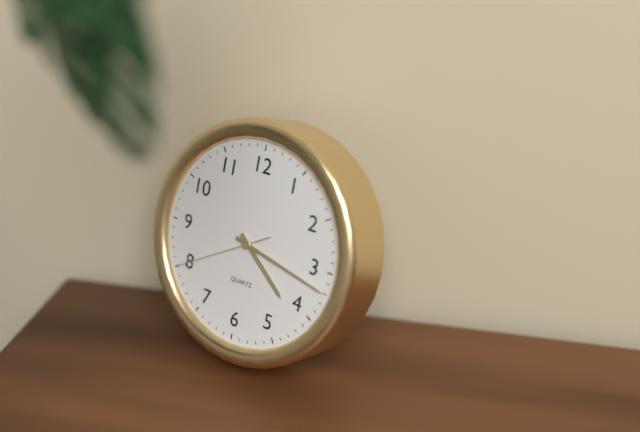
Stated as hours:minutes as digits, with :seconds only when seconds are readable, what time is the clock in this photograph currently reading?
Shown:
4:17:40
